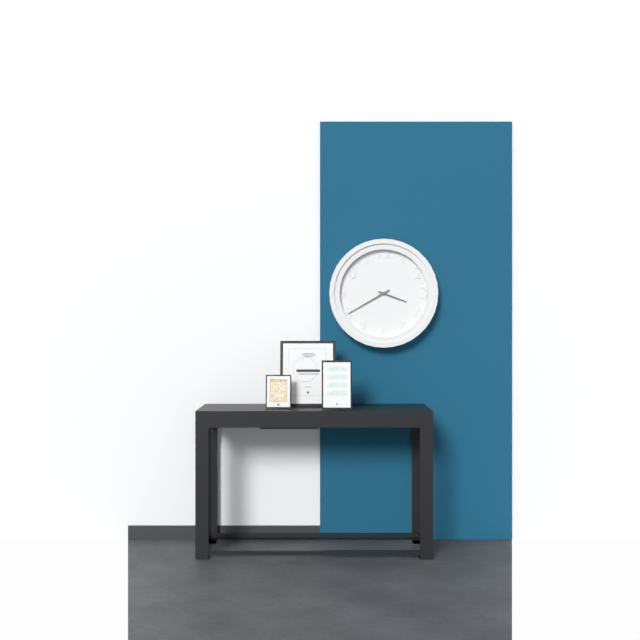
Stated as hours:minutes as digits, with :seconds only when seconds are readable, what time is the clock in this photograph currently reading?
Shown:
3:40
